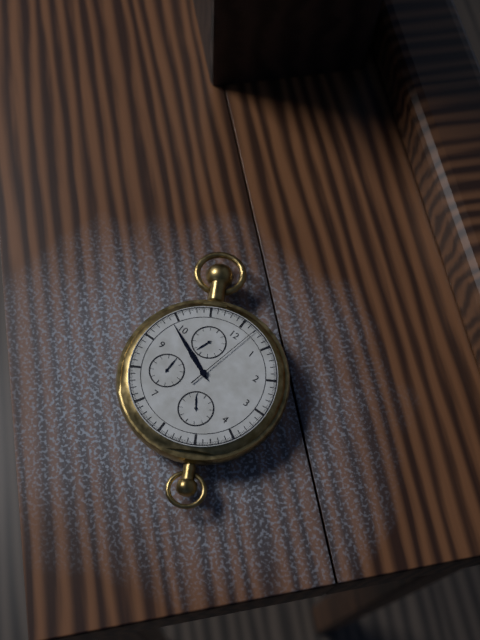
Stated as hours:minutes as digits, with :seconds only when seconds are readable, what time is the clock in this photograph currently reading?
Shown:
9:49:02
